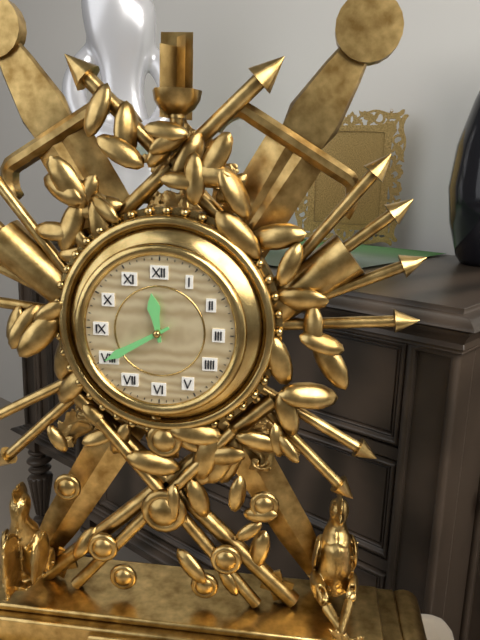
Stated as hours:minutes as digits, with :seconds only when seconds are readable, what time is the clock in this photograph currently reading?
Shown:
11:40
